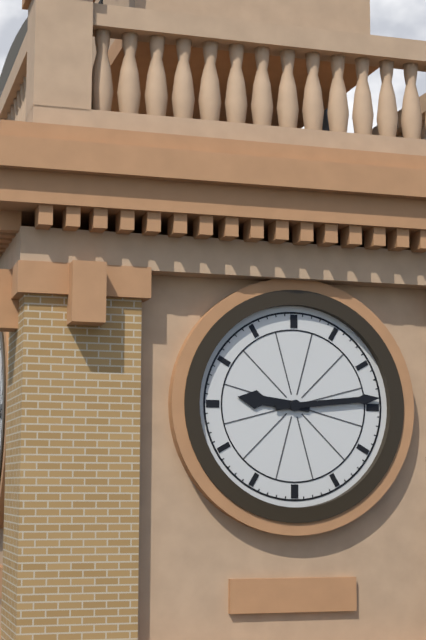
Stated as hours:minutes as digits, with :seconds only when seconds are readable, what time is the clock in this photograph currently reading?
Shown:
9:14
